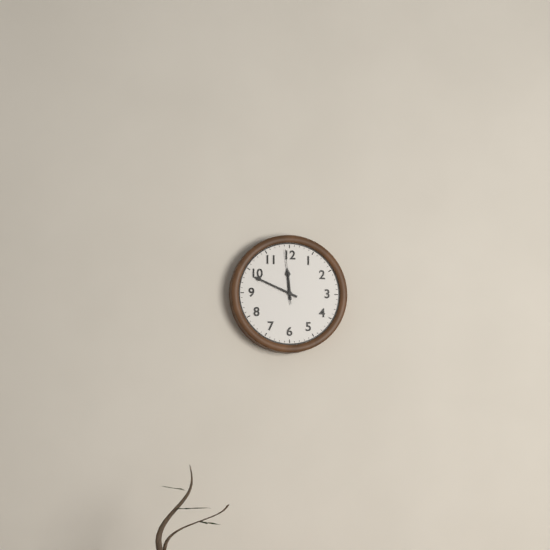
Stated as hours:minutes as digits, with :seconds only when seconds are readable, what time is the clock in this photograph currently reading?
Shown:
11:49:59
